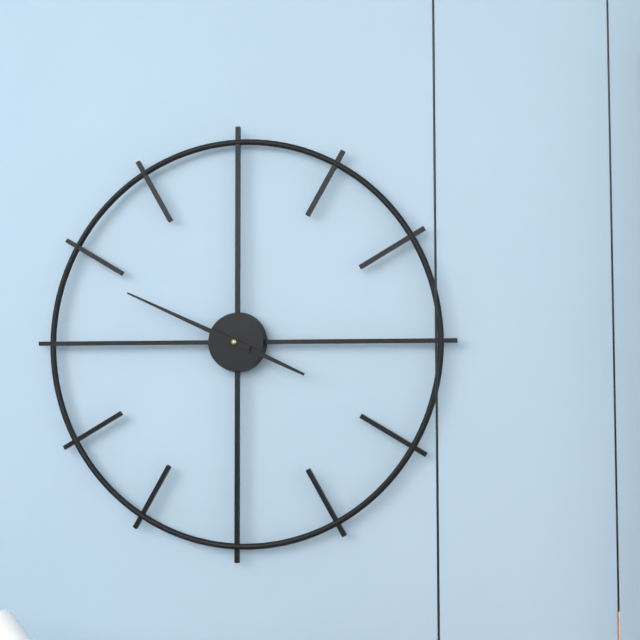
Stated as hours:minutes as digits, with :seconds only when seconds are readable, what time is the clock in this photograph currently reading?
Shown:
3:49
